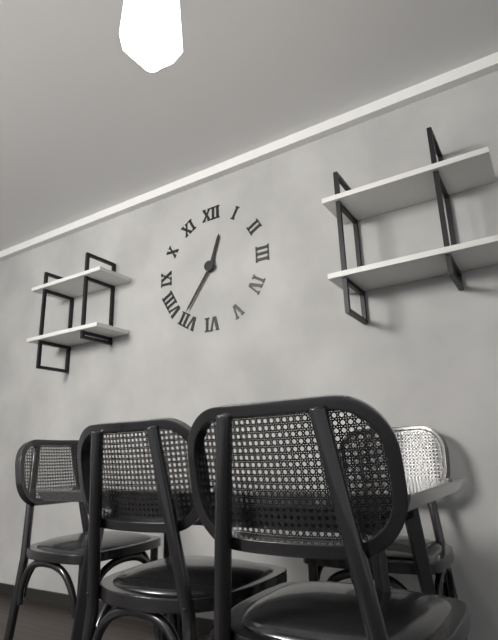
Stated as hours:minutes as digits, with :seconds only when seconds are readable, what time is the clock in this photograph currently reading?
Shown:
12:36
